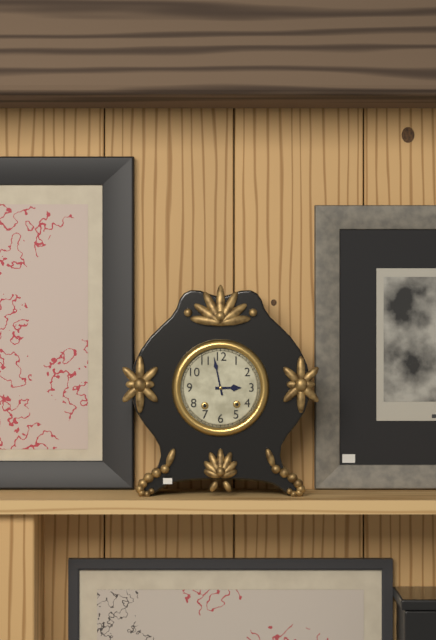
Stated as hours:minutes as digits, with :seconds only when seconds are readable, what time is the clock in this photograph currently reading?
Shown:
2:58
